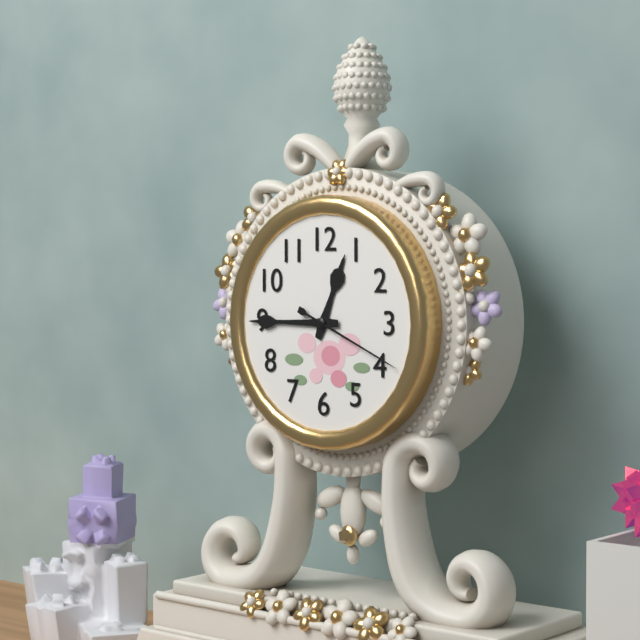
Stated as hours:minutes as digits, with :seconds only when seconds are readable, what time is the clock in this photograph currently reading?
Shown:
12:45:19
